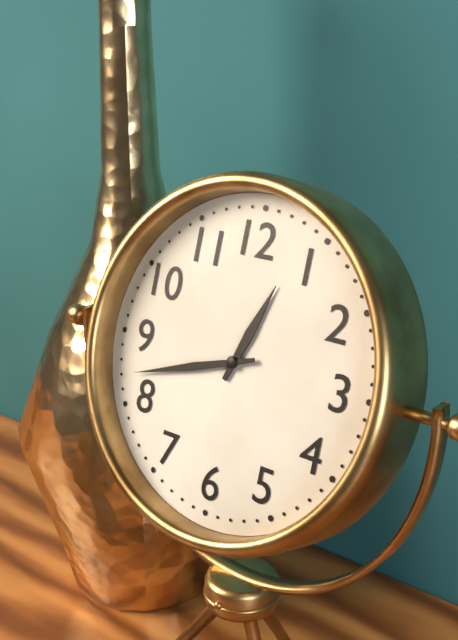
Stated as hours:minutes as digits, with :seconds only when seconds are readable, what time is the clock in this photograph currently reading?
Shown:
12:42
